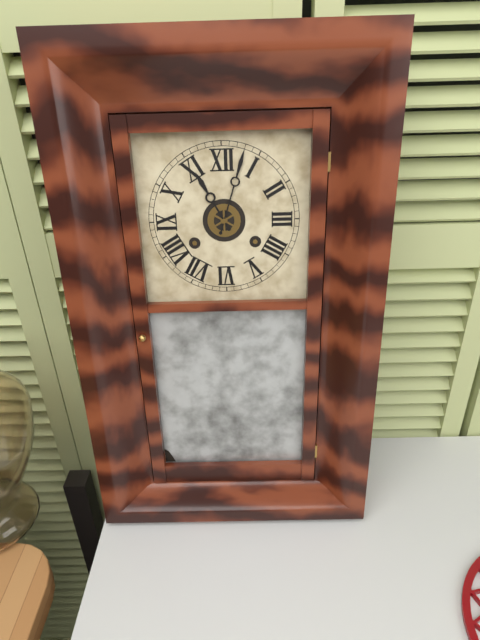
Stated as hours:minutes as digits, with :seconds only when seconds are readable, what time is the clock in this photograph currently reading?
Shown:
11:03
